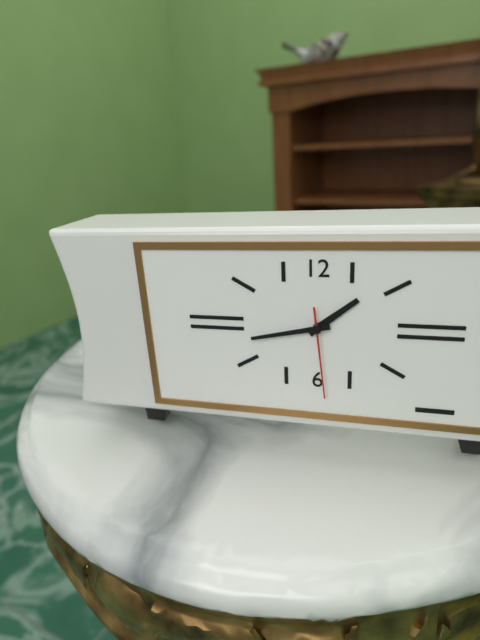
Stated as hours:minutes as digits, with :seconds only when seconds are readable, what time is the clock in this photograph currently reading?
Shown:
1:43:29
